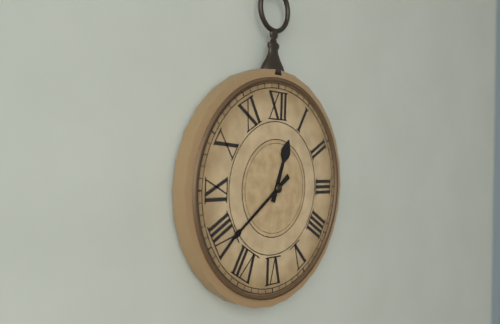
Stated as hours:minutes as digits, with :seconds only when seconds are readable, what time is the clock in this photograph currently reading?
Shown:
12:39
